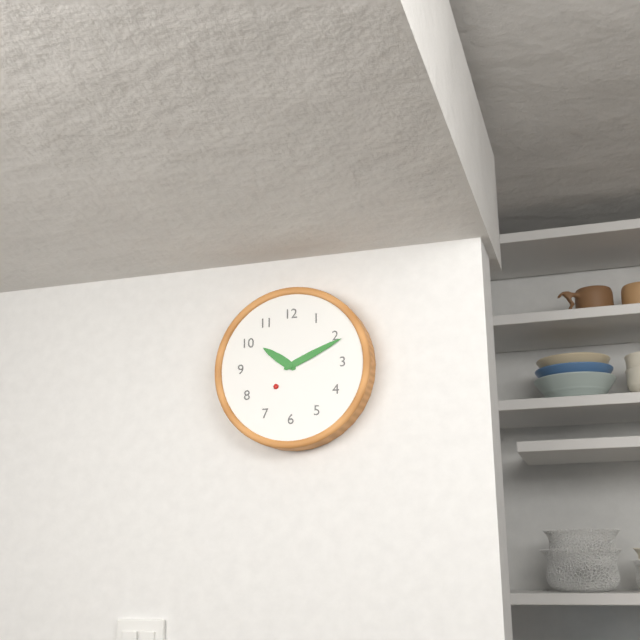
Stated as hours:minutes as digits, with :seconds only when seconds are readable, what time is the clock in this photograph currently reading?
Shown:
10:11
